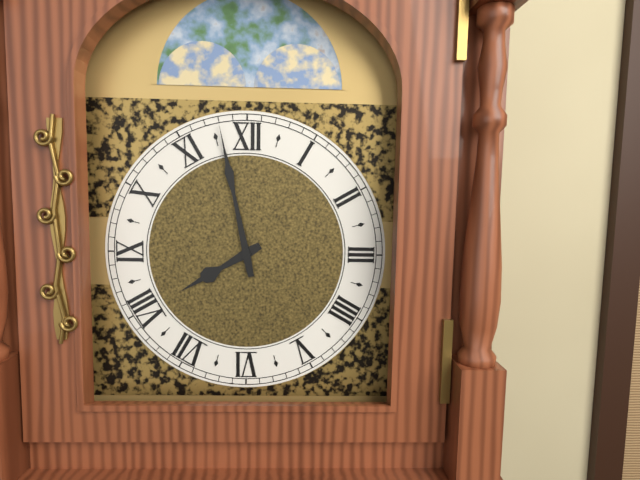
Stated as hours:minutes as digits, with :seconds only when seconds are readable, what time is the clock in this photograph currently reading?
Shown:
7:58
